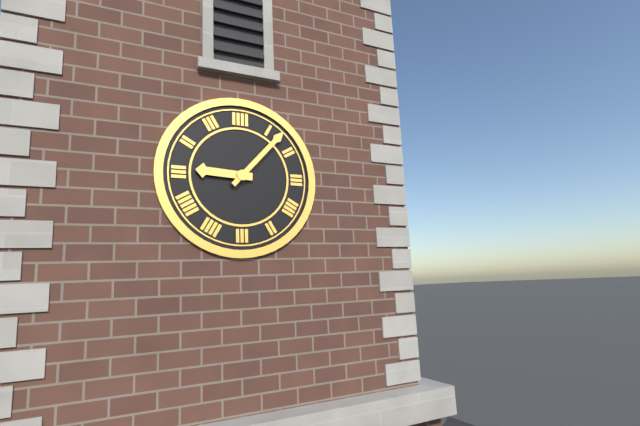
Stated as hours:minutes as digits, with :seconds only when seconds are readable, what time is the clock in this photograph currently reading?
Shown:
9:07
